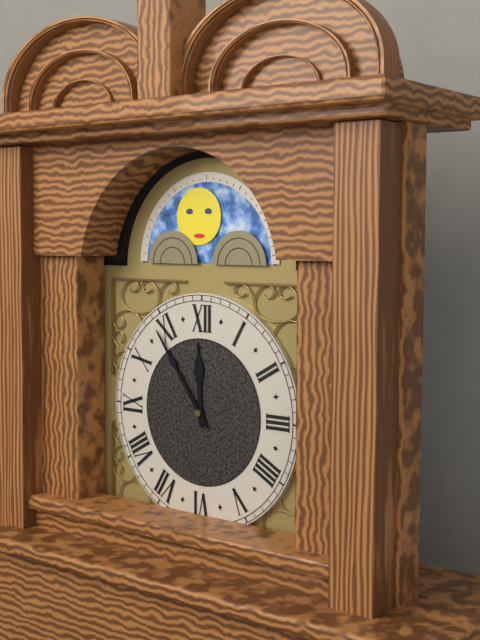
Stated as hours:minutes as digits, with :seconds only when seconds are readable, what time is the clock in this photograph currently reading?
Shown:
11:54
